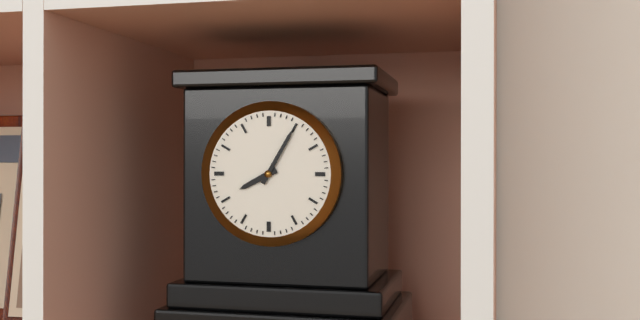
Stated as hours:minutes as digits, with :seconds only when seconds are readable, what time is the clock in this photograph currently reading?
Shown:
8:05
